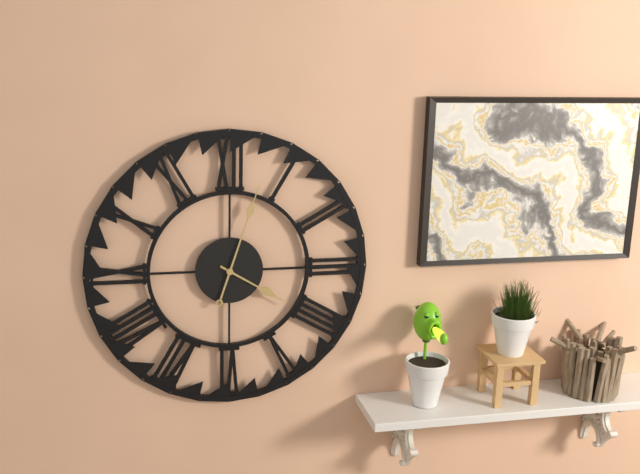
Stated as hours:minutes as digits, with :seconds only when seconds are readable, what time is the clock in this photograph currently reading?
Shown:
4:03
